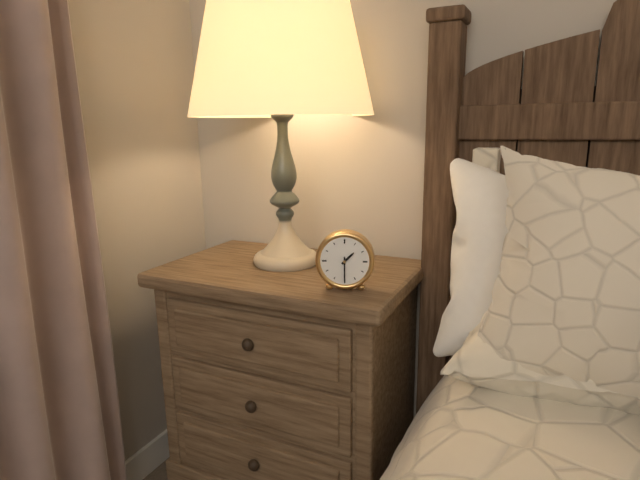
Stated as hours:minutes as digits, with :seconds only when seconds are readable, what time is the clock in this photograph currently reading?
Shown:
1:30
